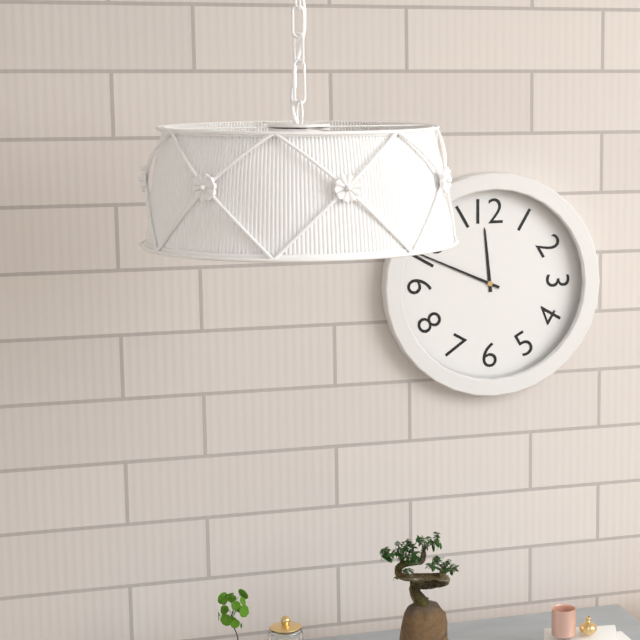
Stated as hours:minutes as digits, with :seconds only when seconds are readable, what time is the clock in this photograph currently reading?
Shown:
11:49
